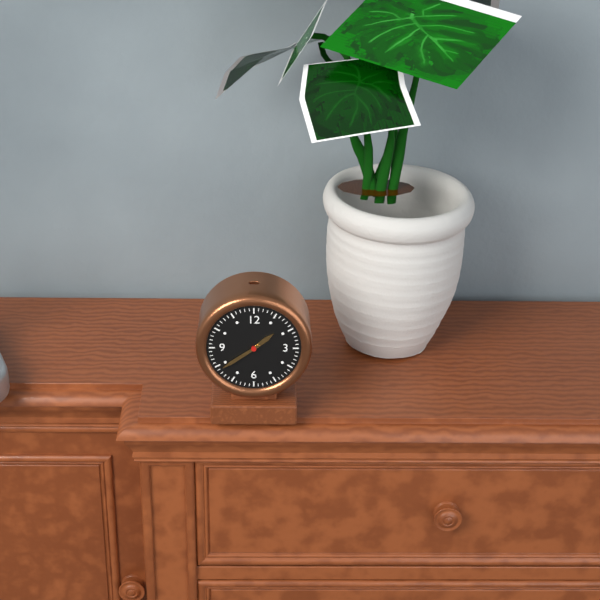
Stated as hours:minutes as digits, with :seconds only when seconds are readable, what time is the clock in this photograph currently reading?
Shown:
1:39
